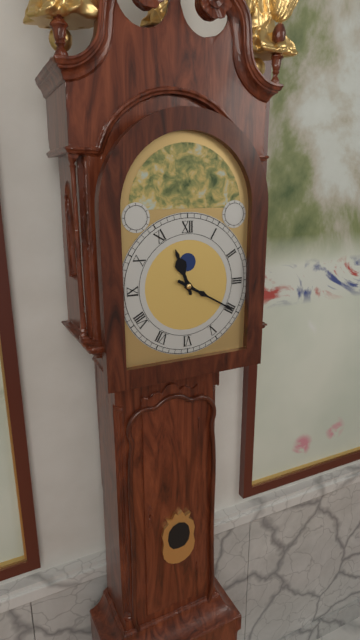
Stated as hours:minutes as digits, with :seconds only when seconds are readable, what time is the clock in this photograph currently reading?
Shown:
11:20
